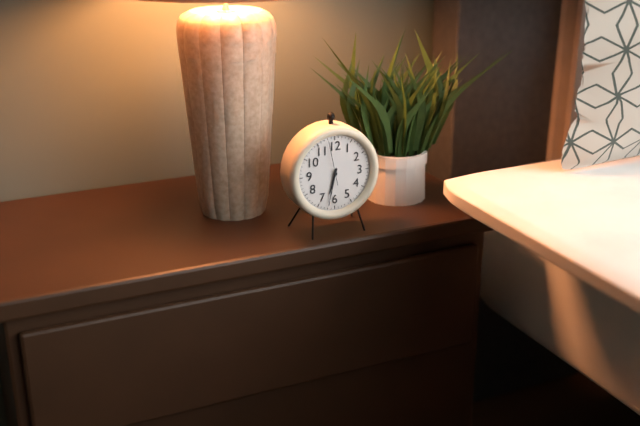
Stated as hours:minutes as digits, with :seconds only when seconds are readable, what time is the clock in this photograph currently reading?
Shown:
6:32
